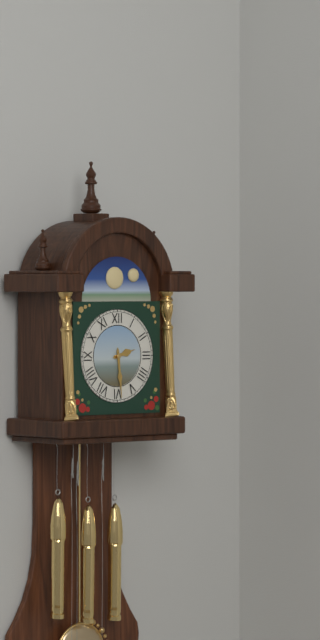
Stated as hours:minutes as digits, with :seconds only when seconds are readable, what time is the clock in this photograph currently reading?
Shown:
2:29
